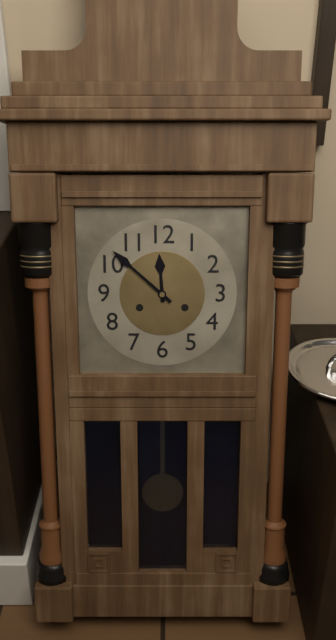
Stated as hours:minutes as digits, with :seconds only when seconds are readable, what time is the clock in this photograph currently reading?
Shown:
11:52
